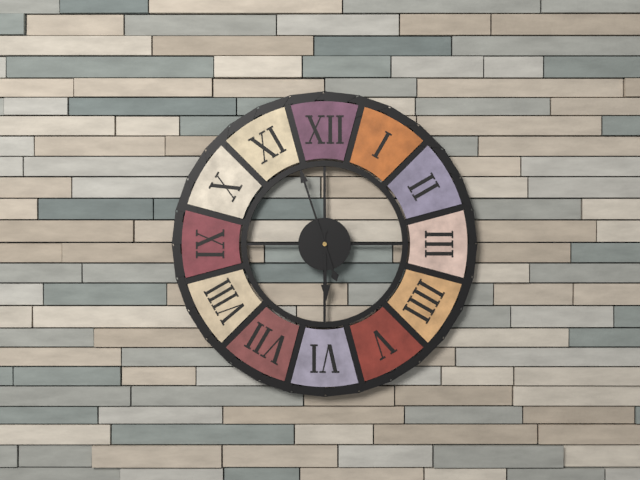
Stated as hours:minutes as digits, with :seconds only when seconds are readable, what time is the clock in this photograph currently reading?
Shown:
5:57
